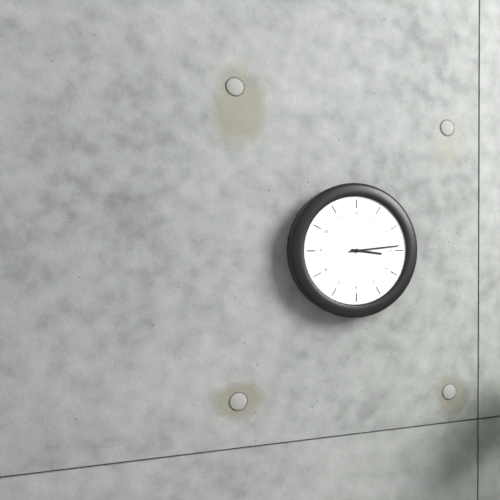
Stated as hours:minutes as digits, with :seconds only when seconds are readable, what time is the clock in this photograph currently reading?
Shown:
3:14
